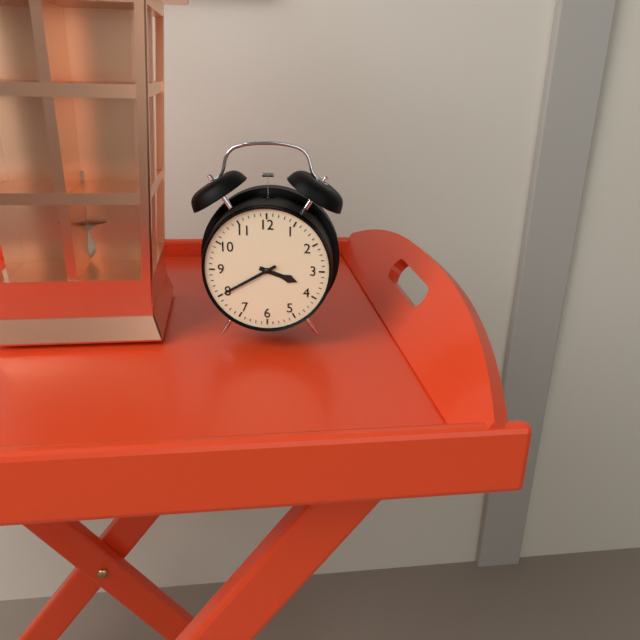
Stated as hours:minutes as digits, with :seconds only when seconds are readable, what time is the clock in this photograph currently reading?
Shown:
3:40
